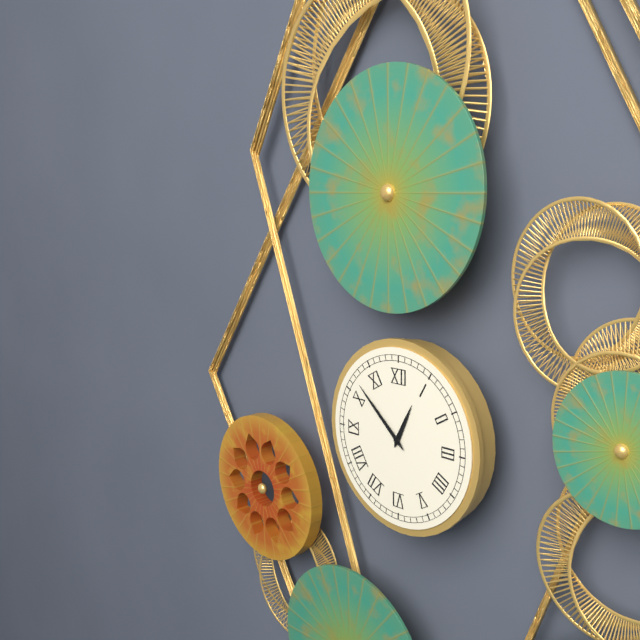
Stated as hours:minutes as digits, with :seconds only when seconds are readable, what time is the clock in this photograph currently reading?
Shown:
12:52
